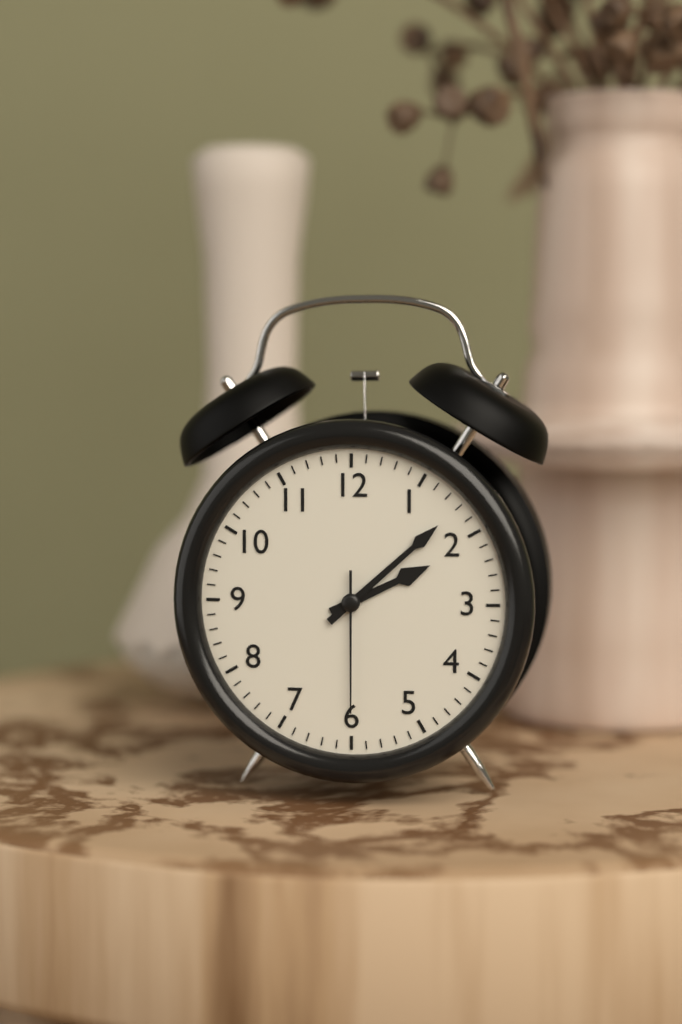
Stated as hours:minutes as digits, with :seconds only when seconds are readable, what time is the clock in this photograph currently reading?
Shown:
2:08:30
